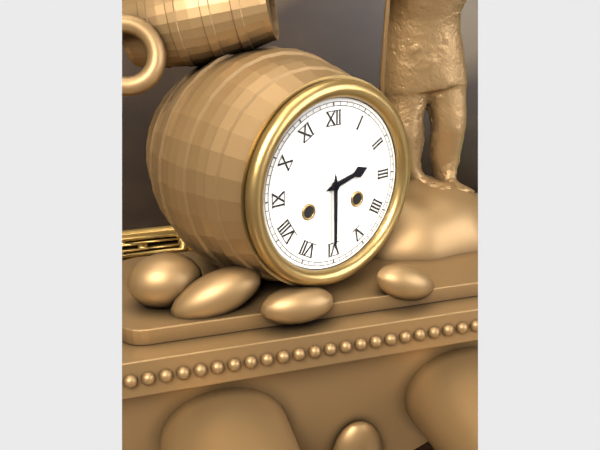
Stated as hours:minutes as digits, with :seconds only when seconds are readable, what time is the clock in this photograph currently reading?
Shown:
2:30
